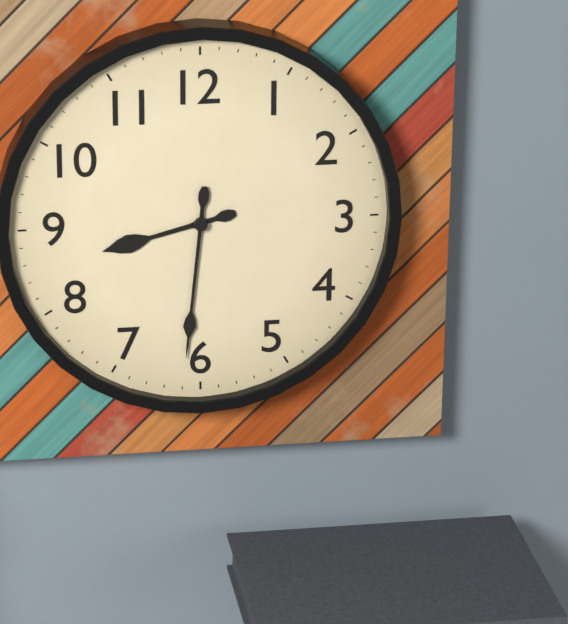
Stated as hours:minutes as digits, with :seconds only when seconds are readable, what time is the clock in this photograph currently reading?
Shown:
8:31
